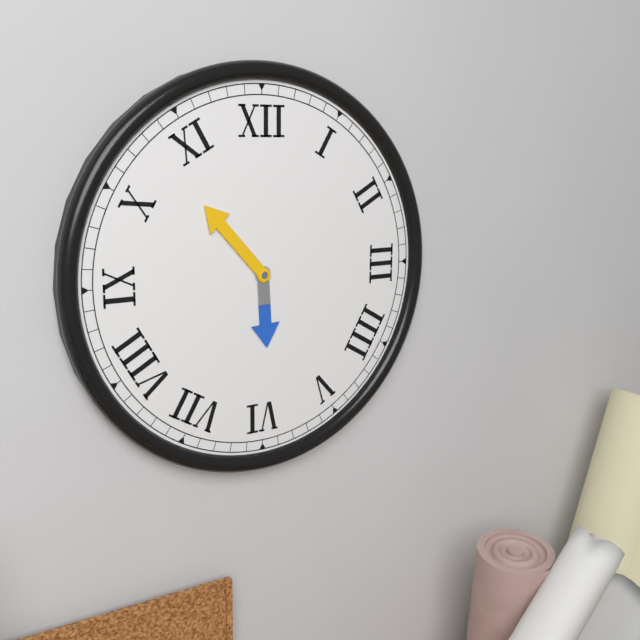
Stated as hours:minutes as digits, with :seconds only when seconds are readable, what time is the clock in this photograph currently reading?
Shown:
5:53
